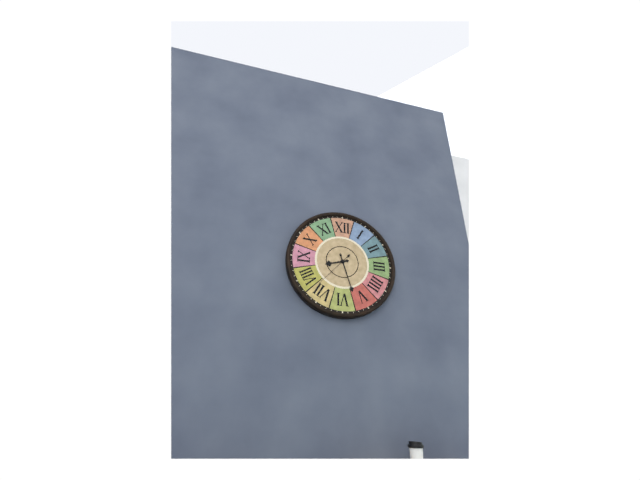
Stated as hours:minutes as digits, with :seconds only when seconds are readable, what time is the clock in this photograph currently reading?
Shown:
8:27
